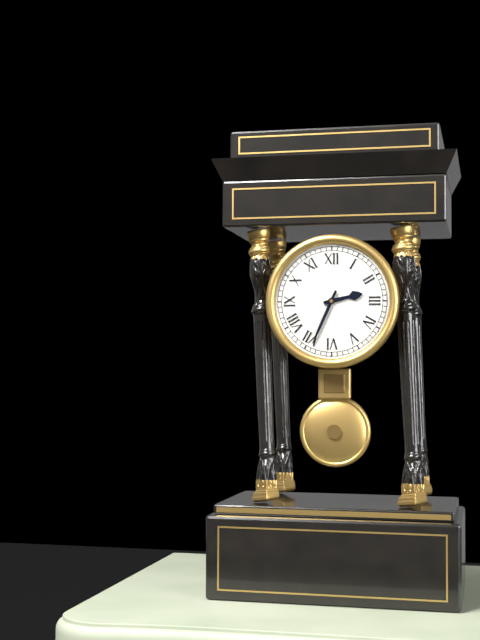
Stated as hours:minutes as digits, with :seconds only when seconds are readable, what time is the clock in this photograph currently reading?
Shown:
2:34
